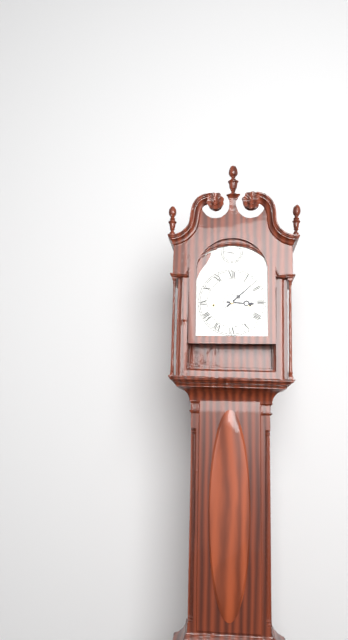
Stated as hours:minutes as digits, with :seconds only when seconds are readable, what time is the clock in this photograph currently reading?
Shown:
3:08
